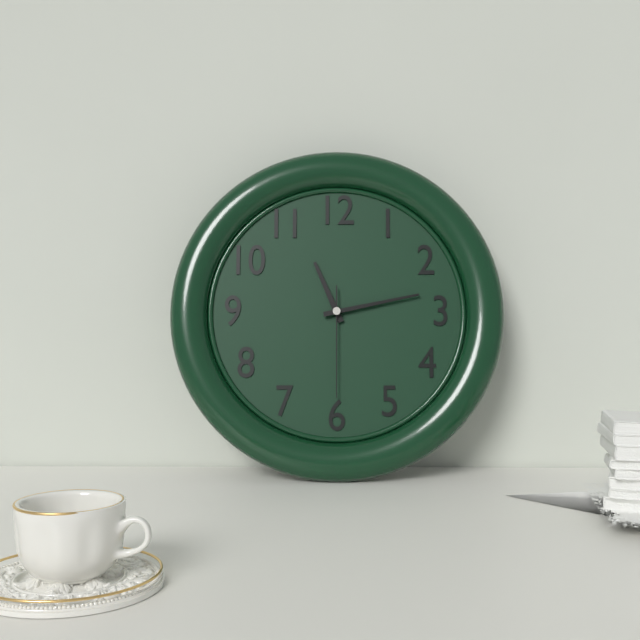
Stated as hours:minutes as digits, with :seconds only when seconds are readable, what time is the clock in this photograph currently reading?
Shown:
11:13:30
